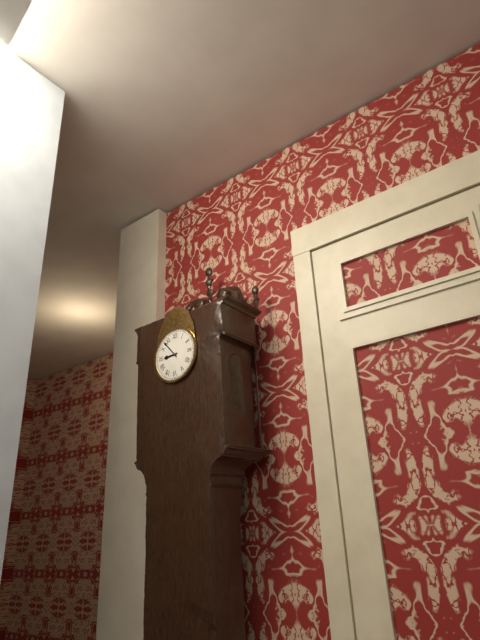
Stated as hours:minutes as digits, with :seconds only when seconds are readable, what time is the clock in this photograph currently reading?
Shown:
8:53
